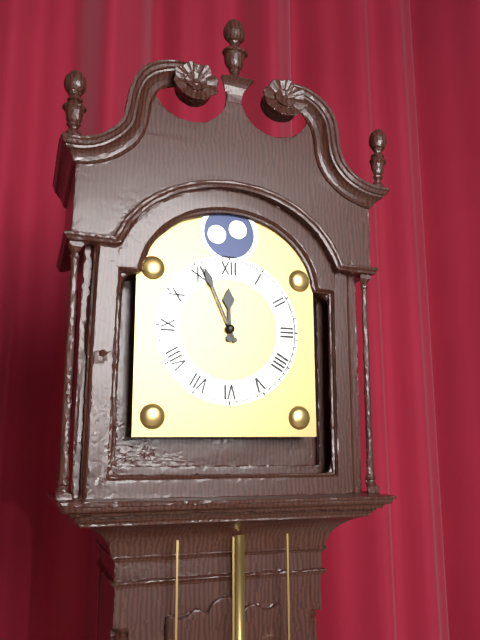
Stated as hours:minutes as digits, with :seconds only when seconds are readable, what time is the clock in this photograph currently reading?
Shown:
11:56
